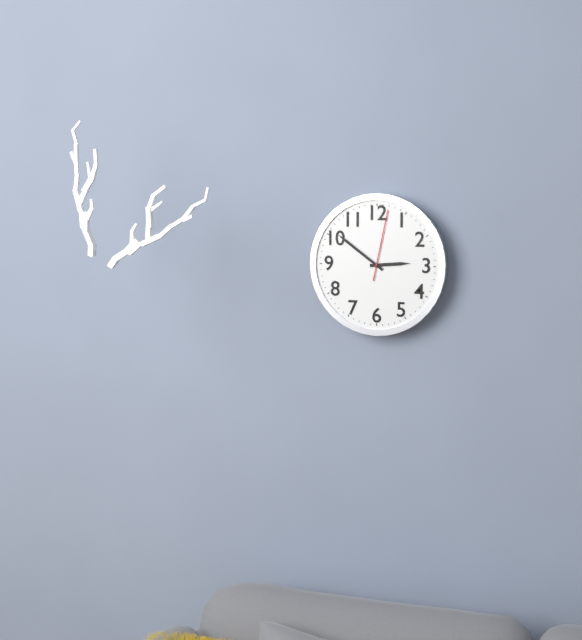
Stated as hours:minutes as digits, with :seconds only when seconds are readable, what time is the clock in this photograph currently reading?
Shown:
2:51:02
